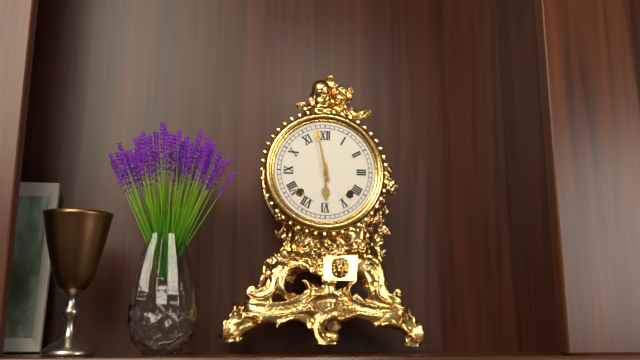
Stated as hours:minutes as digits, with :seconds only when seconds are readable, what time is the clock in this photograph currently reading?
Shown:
5:58
